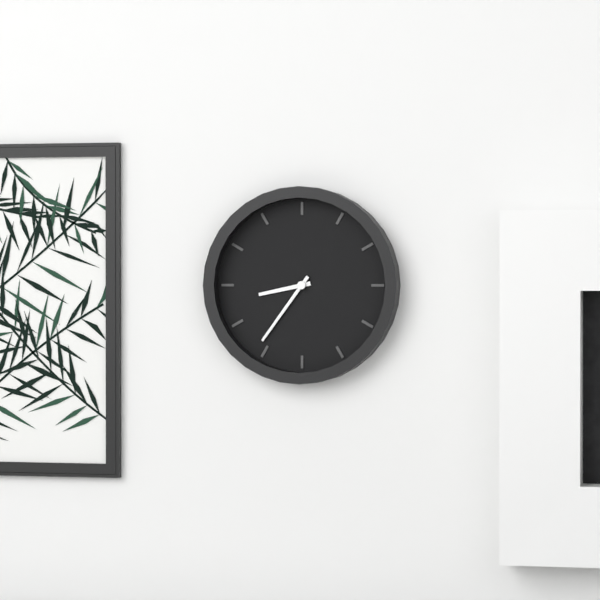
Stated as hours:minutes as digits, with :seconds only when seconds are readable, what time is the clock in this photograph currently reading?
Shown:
8:36
